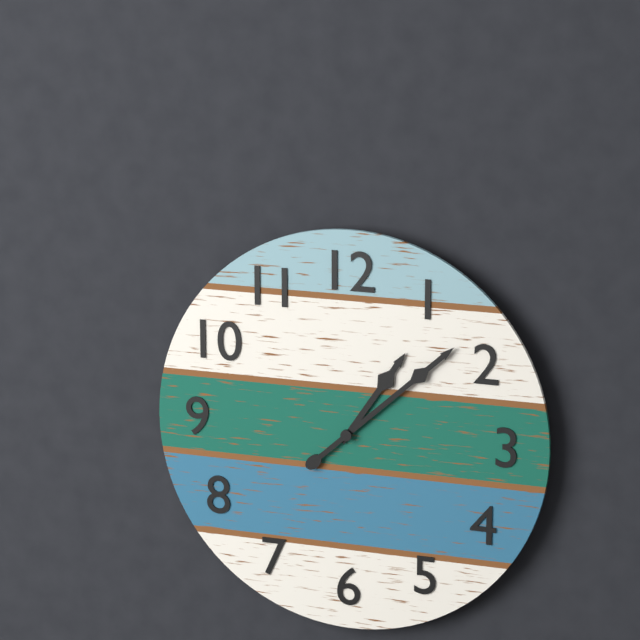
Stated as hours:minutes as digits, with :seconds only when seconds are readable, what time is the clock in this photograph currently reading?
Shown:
1:08
